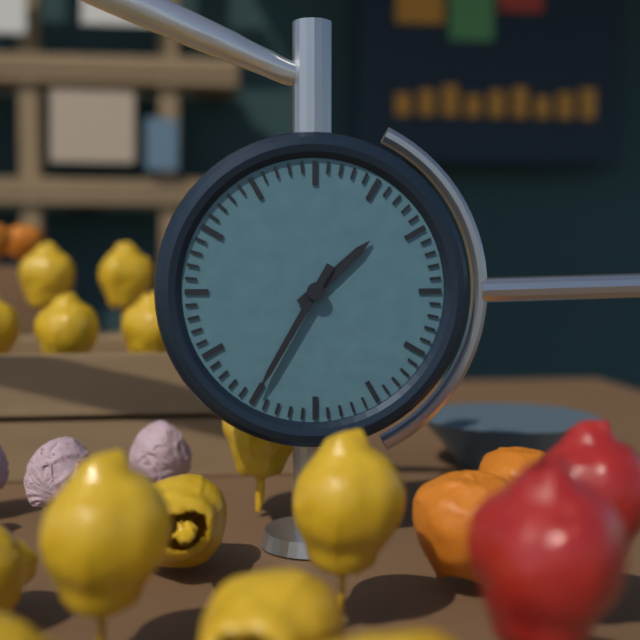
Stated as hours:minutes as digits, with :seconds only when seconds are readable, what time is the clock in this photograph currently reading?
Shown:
1:35
